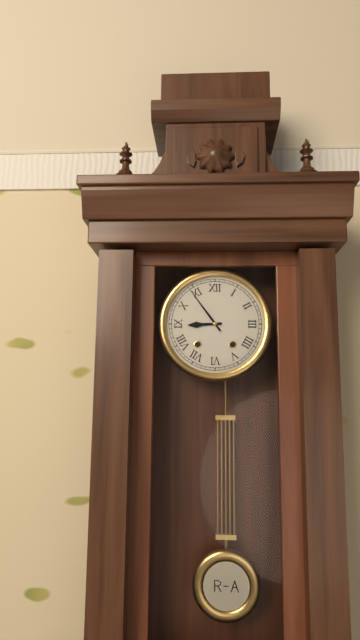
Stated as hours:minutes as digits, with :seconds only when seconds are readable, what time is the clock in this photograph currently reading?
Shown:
8:54
